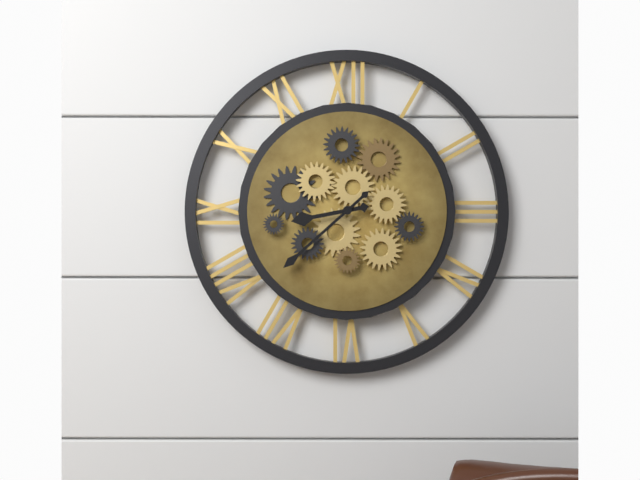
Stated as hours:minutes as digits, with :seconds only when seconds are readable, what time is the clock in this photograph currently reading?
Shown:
8:38
